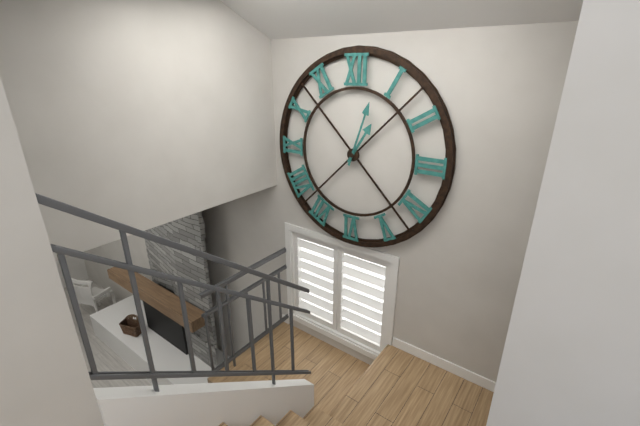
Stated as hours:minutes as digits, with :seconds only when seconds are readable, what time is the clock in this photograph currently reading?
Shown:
1:03
